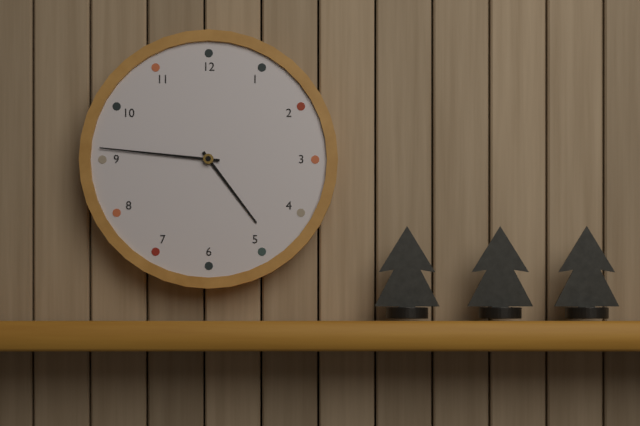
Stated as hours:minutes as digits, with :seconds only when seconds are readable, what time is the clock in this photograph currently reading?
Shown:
4:46
